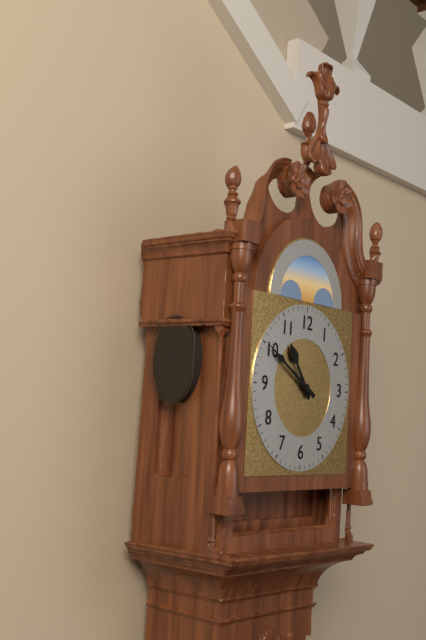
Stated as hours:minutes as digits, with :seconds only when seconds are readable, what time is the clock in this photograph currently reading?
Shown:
10:50
